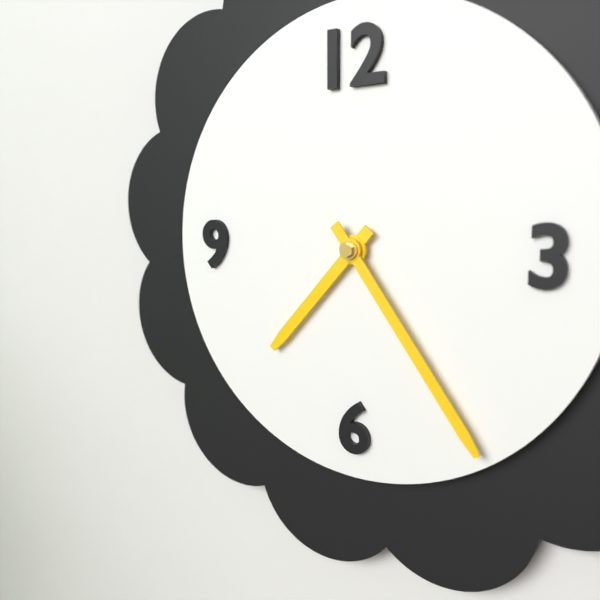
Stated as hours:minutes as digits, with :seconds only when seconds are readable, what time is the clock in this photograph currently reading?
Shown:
7:24
